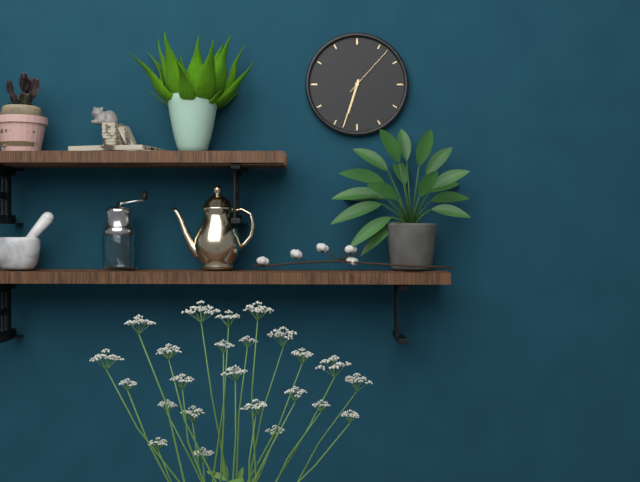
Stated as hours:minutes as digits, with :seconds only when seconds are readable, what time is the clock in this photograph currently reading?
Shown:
6:33:07
